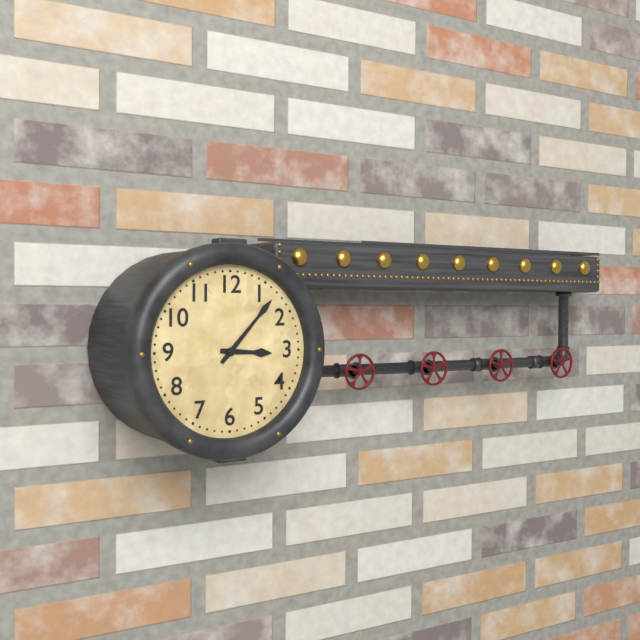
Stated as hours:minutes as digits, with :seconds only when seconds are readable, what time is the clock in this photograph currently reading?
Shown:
3:07
